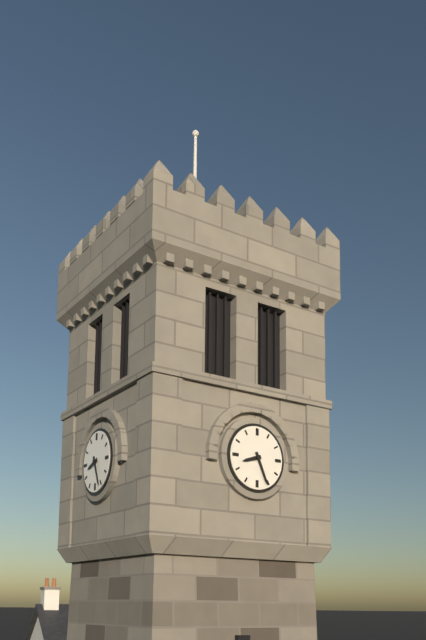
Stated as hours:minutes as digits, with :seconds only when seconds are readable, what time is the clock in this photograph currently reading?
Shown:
8:26
